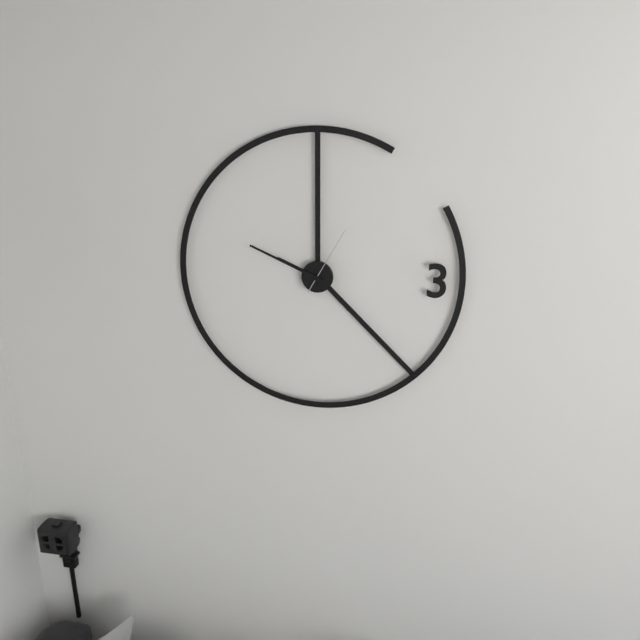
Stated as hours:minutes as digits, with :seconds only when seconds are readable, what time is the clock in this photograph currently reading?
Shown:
9:49:05
